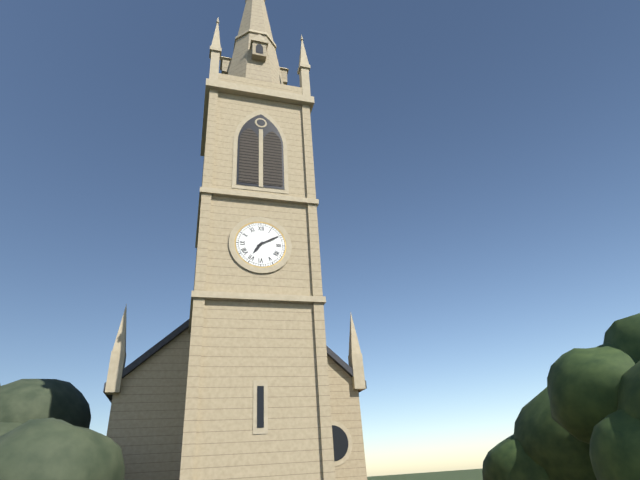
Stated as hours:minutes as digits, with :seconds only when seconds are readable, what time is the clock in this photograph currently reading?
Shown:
7:10
